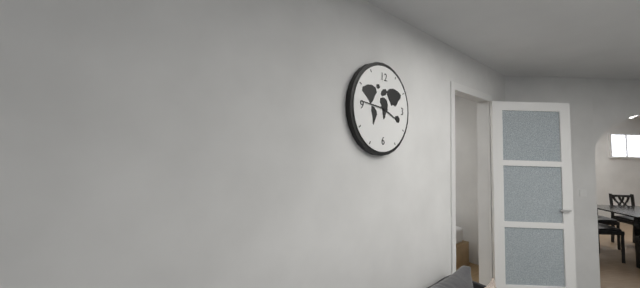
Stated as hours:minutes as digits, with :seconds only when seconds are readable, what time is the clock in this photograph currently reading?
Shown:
3:46
